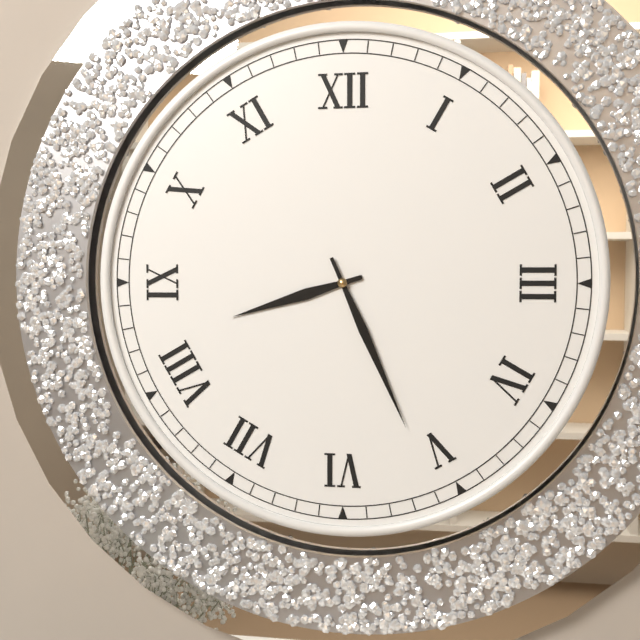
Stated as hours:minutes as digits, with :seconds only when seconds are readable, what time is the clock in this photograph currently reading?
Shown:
8:26
